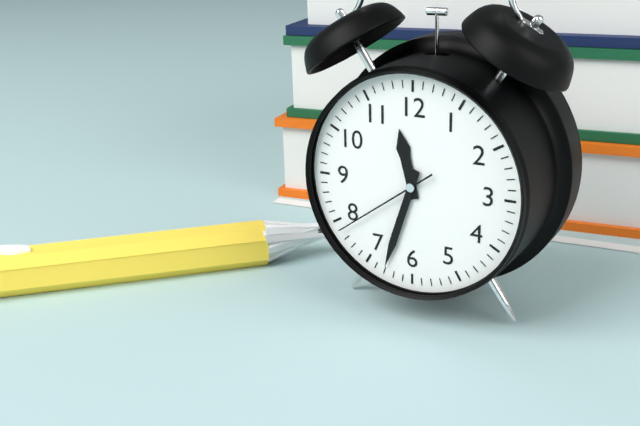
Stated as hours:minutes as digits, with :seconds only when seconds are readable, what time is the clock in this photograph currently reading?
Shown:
11:33:39
